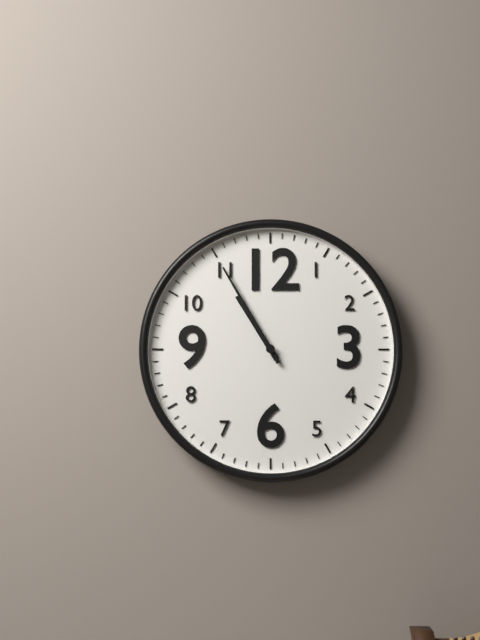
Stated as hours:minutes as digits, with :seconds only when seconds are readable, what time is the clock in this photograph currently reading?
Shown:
10:55
